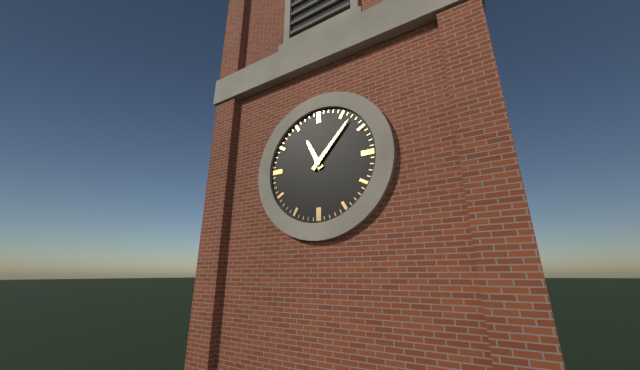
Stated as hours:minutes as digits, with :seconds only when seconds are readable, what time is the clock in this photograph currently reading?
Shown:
11:07
